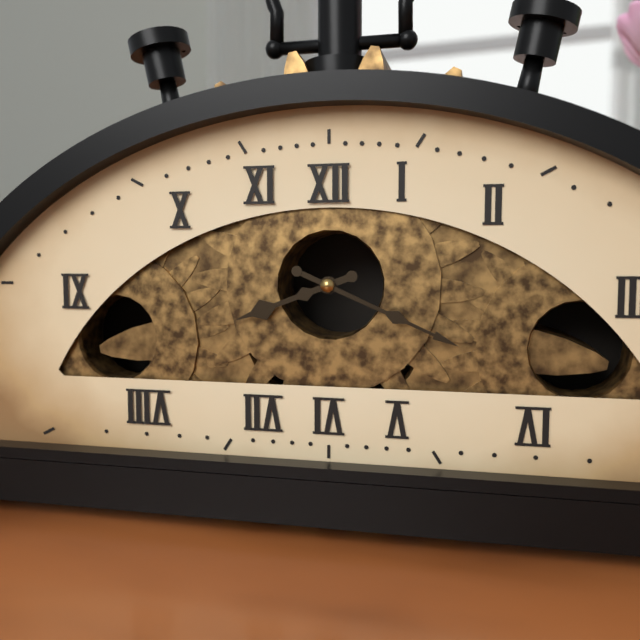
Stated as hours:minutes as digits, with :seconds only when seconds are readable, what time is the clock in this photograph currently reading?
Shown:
8:19
